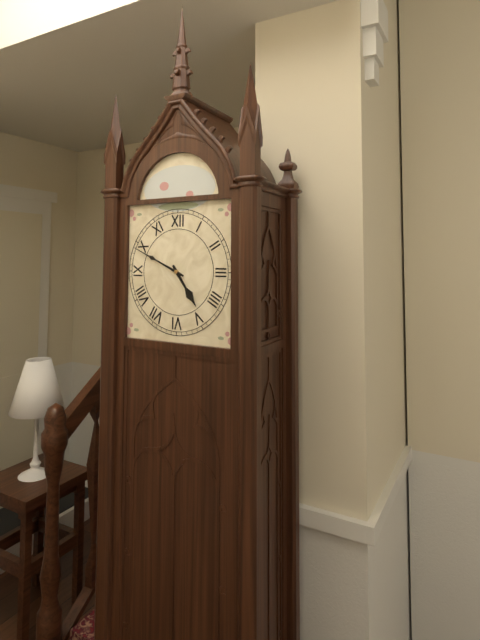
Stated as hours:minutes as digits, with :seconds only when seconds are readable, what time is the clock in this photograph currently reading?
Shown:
4:49
